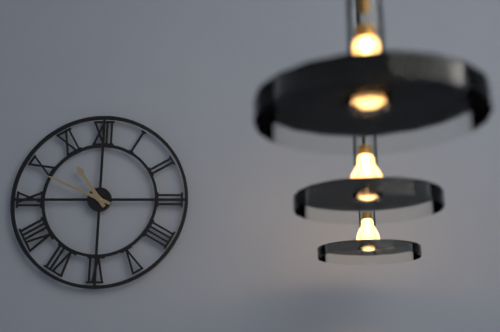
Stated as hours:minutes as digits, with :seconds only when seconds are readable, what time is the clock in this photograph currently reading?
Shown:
10:49
